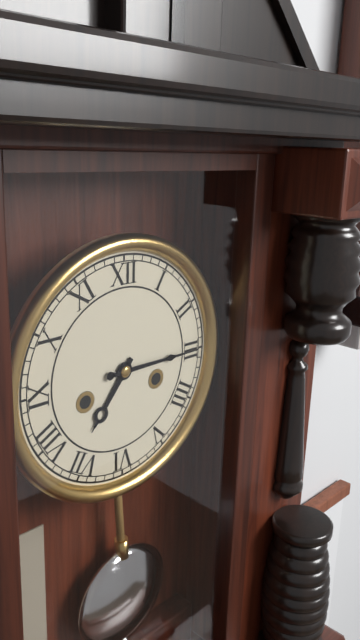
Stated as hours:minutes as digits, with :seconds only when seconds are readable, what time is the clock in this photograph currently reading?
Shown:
7:15
